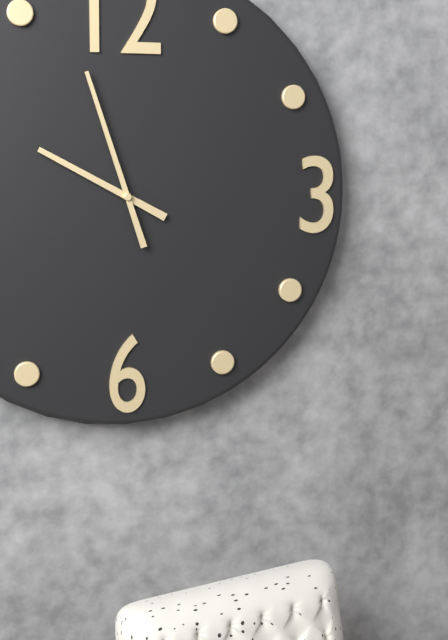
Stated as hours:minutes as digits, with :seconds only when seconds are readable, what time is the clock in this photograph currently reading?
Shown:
9:57
